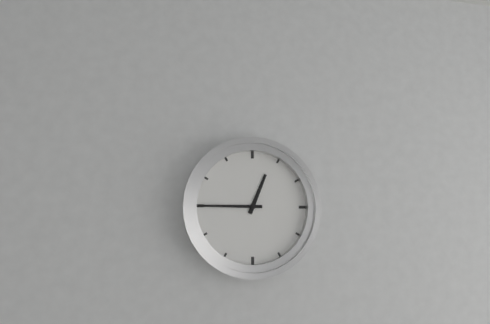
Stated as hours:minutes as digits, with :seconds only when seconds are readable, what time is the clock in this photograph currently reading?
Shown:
12:45
